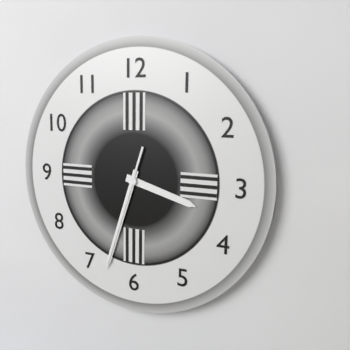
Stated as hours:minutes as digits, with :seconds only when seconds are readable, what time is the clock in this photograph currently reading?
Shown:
3:33:33
